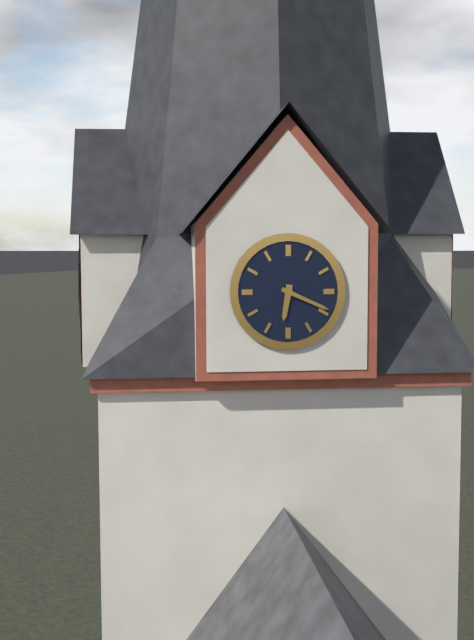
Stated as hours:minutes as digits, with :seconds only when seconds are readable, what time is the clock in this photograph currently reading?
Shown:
6:19
